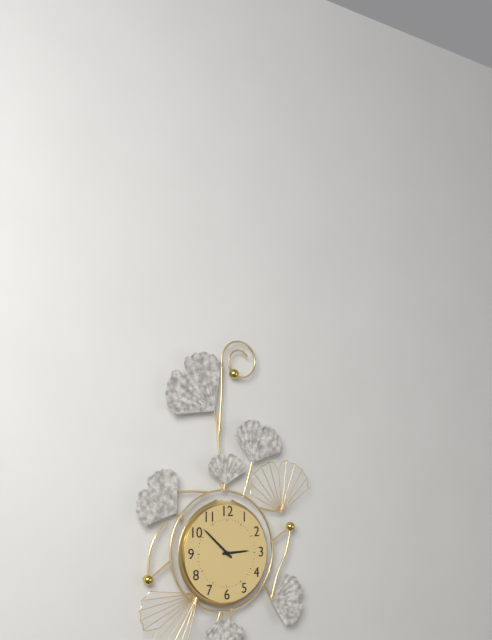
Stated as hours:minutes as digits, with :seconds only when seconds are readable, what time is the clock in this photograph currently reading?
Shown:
2:52
